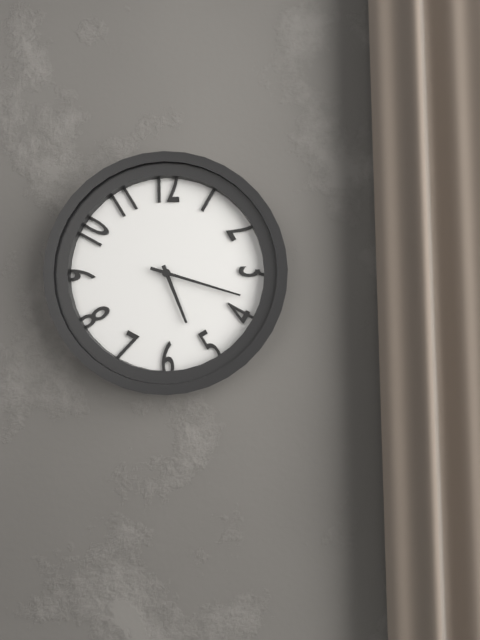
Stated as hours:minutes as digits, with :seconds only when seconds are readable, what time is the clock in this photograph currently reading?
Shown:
5:18
